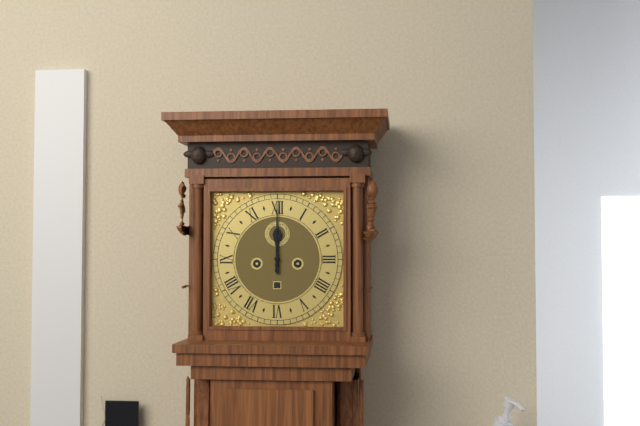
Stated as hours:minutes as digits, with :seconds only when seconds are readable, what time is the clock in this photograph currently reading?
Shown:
12:00
